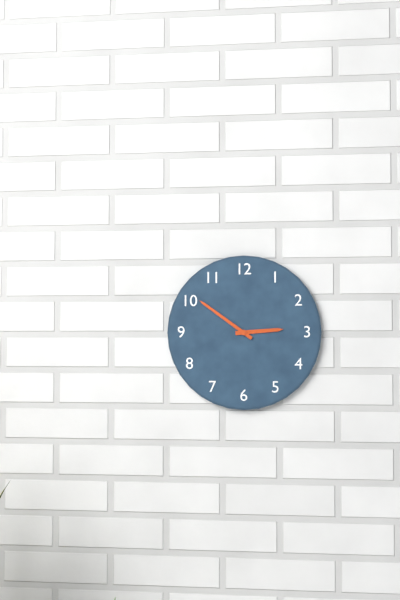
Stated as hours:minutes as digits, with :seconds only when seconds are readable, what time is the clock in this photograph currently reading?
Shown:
2:51
